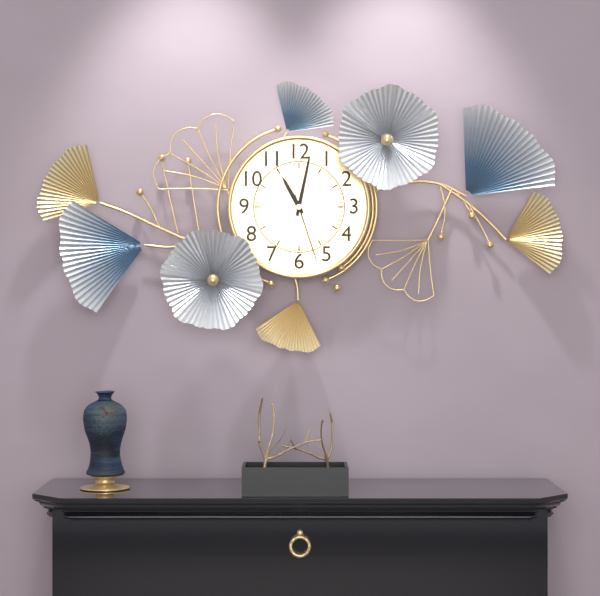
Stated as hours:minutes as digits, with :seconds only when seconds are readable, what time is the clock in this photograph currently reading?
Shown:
11:02:27
